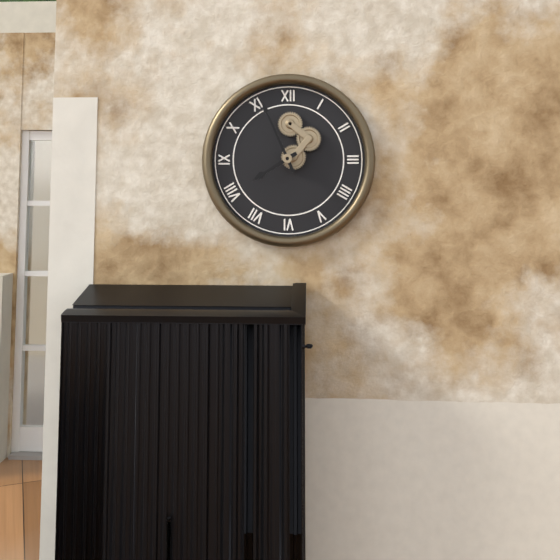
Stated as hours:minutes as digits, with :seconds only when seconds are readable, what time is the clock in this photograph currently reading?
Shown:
7:56
